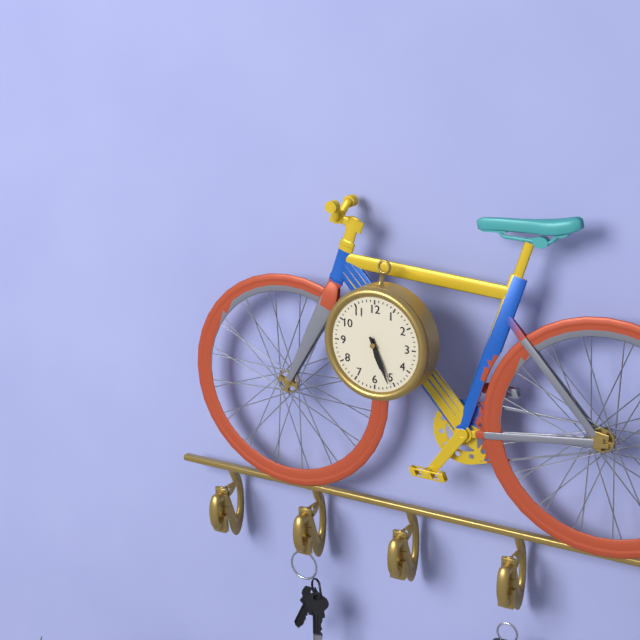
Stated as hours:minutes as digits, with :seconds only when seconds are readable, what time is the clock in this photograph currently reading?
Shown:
5:26
